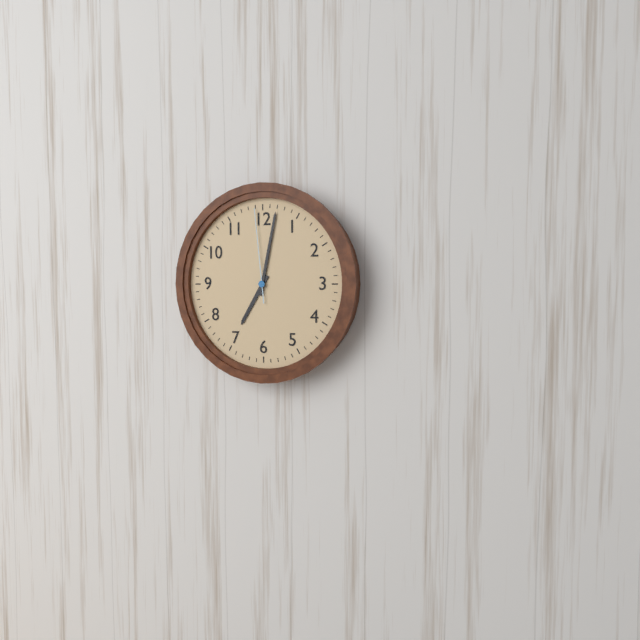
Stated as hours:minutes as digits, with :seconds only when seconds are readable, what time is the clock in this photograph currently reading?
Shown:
7:02:59
